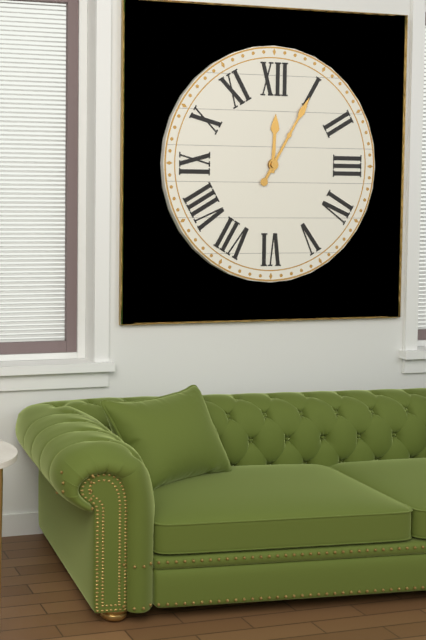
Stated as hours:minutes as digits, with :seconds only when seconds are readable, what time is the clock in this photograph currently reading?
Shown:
12:05
